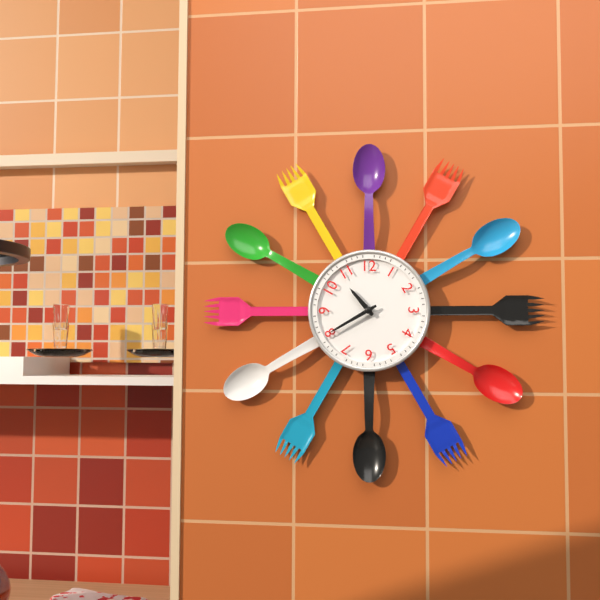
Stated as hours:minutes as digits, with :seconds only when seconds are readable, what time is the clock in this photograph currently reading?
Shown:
10:40
